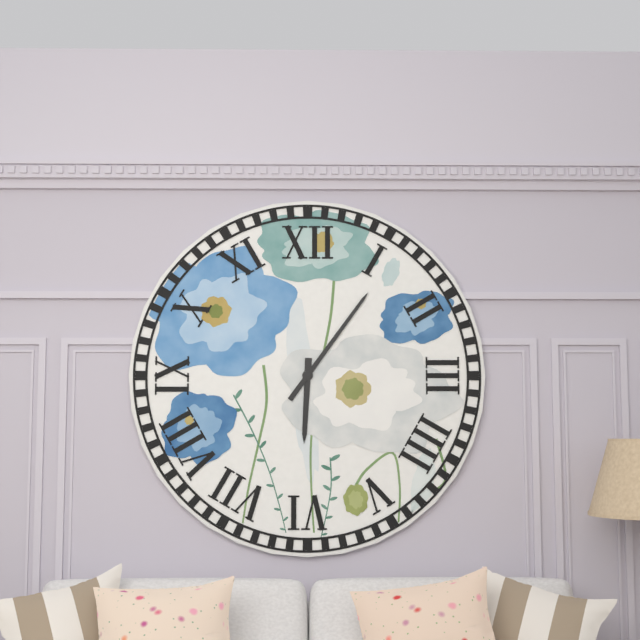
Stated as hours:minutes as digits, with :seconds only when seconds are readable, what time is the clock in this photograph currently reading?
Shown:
6:06
